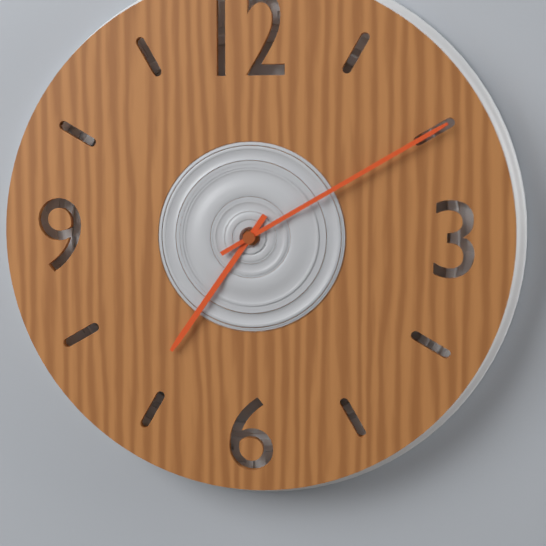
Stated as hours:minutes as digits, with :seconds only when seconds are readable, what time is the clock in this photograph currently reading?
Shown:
7:10
